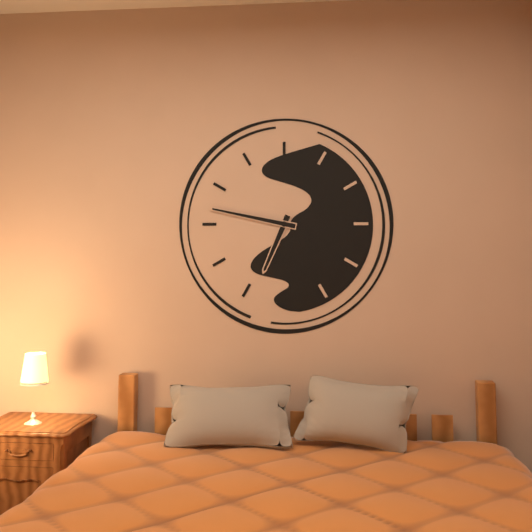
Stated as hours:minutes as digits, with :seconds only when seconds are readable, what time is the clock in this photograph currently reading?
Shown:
6:47
